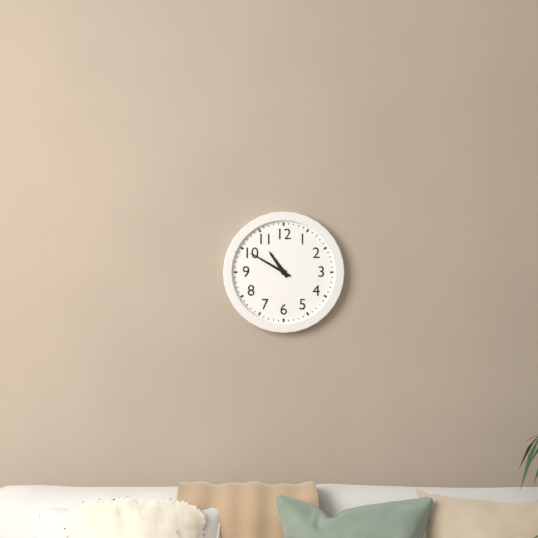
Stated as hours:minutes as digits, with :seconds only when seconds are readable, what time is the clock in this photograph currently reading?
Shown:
10:50
